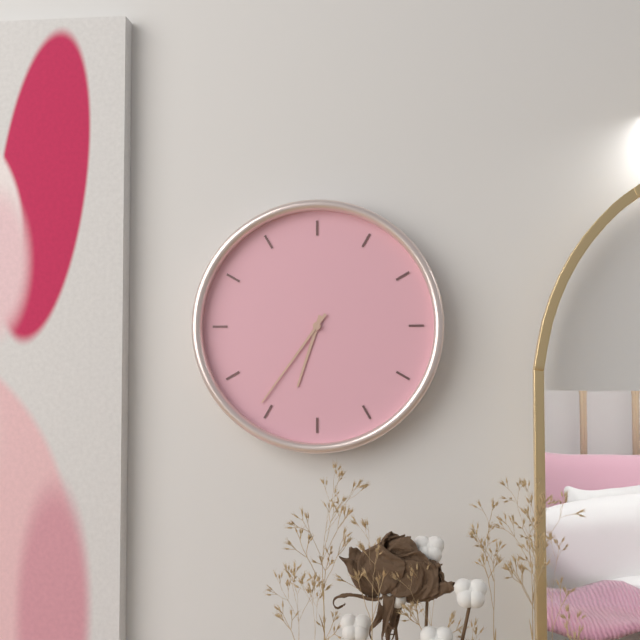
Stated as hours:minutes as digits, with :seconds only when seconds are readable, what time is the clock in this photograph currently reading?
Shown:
6:36
